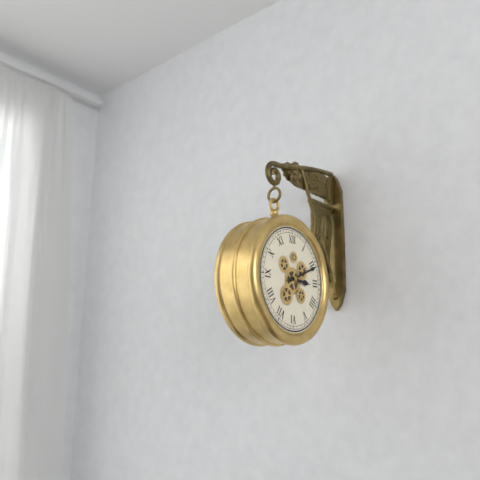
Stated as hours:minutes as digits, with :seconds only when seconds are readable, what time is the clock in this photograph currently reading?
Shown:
3:11
